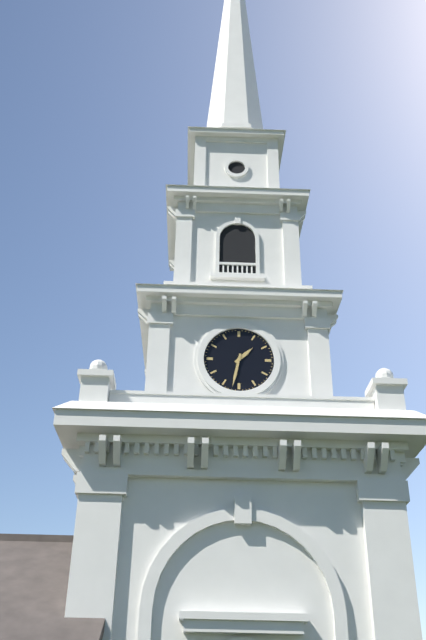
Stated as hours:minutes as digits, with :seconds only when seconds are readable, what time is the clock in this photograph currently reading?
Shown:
1:32
